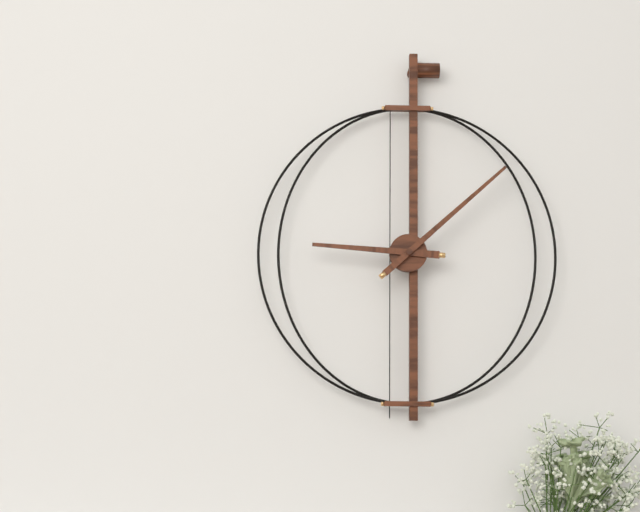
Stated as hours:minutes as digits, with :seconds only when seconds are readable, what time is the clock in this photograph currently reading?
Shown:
9:08
